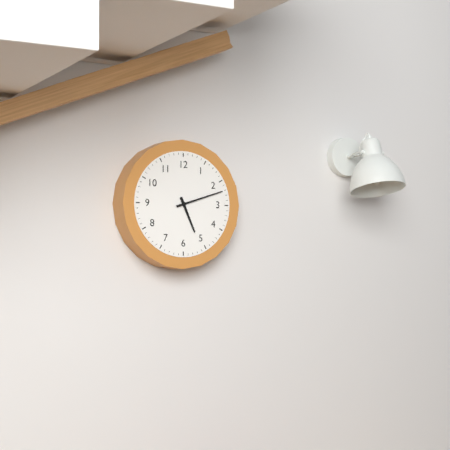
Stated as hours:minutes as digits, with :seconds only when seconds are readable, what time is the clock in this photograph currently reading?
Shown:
5:12
